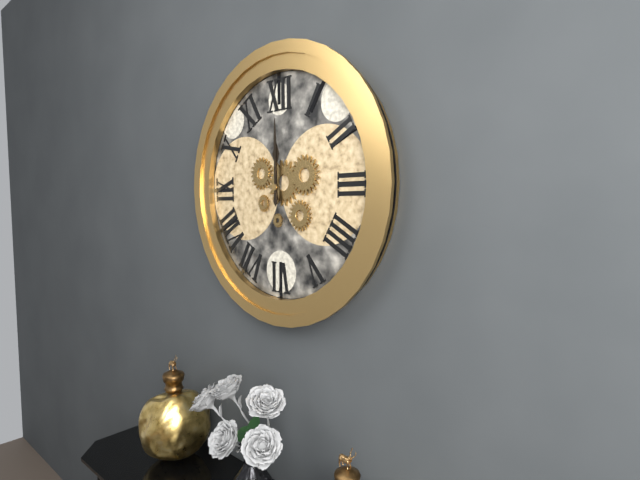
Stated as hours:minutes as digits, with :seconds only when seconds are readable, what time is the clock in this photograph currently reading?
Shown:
12:00
